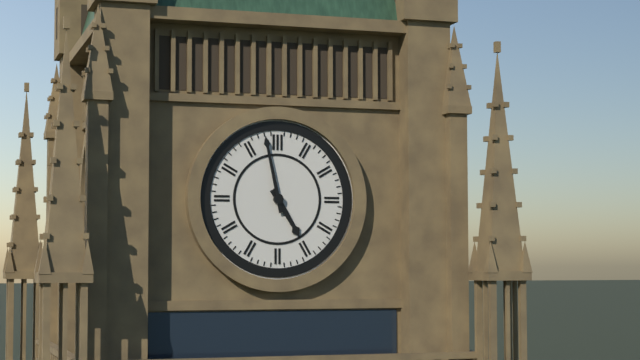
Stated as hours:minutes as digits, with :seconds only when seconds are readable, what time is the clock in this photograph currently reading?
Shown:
4:58
